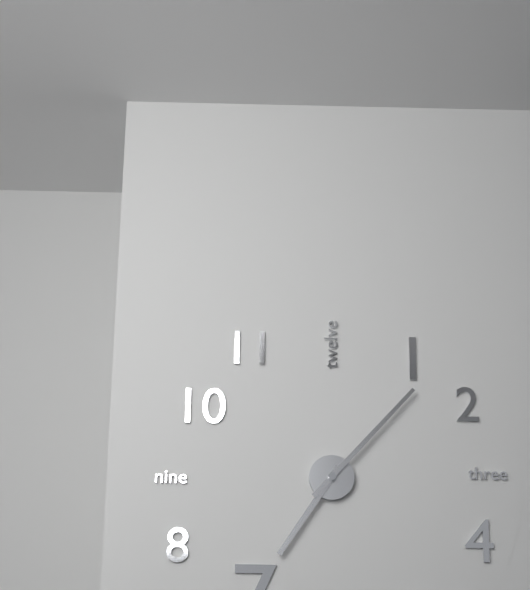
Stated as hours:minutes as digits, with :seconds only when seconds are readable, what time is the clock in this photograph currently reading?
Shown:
7:07
